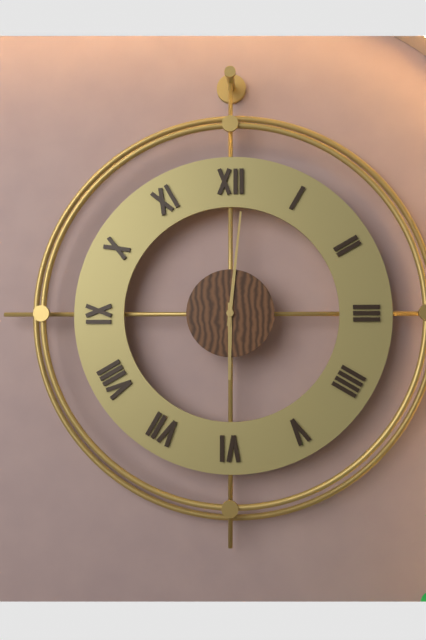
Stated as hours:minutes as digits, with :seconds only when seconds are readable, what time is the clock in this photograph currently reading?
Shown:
6:01
